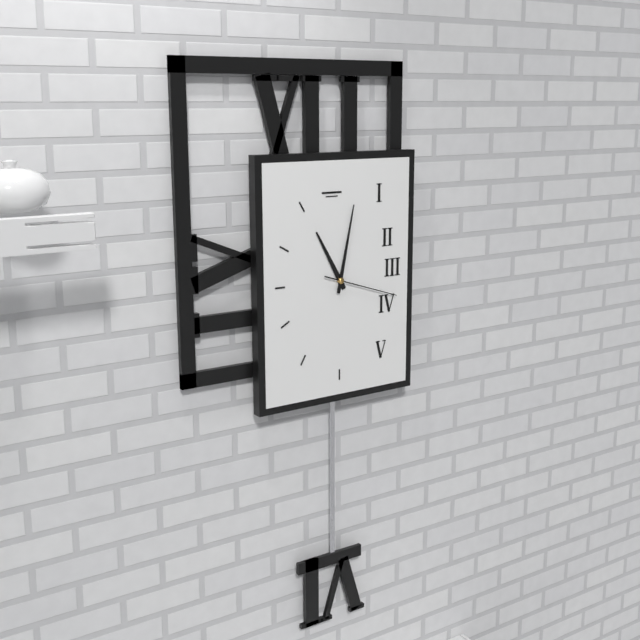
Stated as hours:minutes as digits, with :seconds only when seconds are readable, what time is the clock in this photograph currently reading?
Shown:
11:02:18
